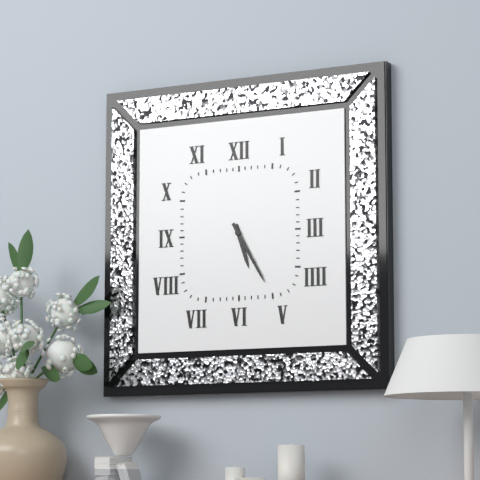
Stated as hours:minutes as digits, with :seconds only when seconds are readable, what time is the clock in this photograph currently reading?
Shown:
5:25
